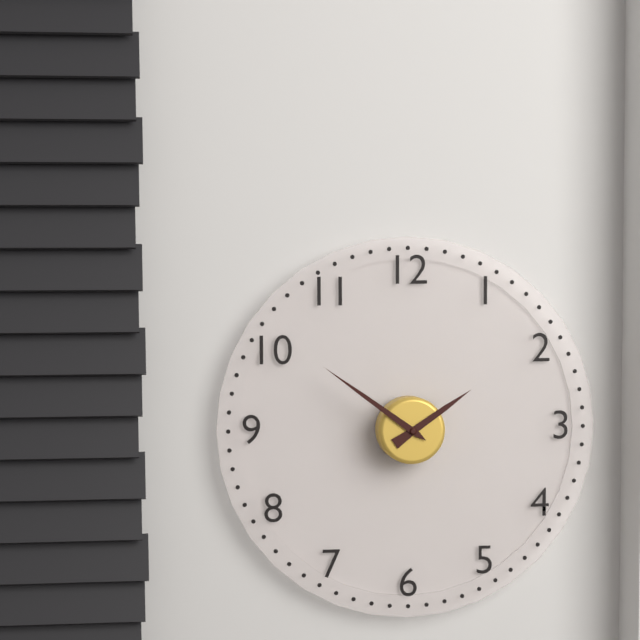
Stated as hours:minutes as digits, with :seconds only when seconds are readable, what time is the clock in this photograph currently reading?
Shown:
1:51
